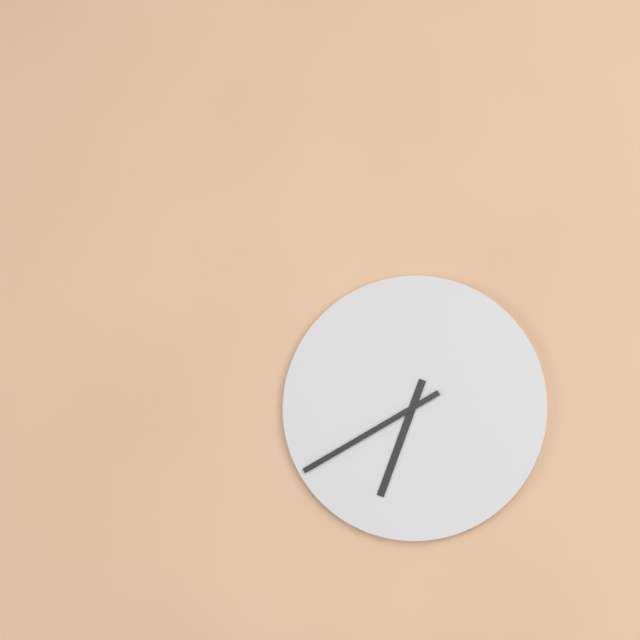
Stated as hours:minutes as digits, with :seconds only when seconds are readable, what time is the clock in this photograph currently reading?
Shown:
6:40
